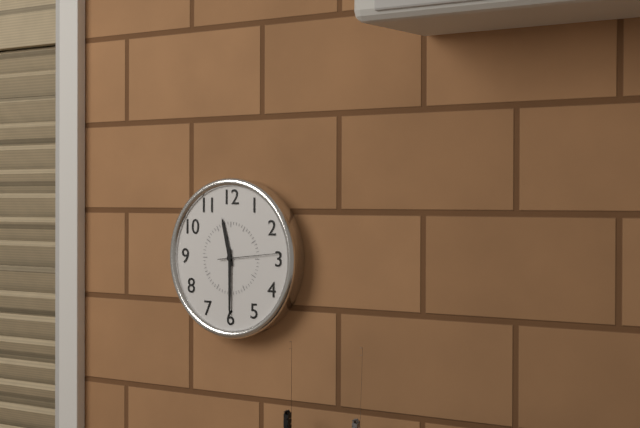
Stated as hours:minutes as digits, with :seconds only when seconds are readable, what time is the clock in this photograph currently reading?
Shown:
11:30:14
